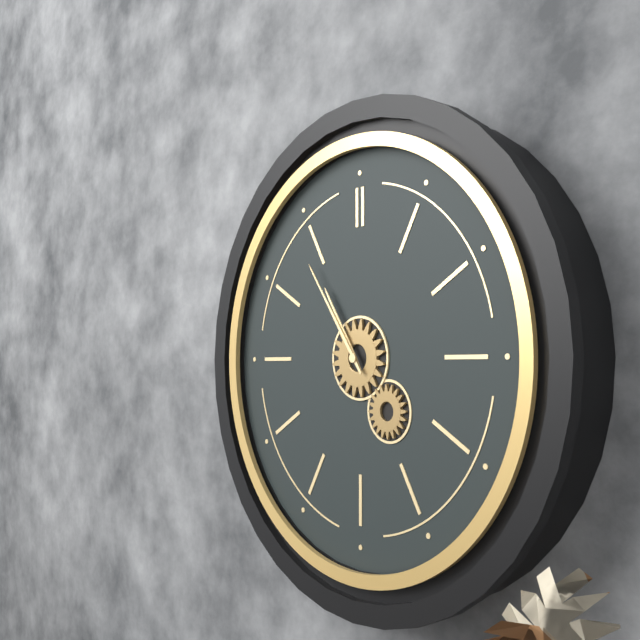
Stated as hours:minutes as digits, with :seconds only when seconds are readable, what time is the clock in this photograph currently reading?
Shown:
10:54
